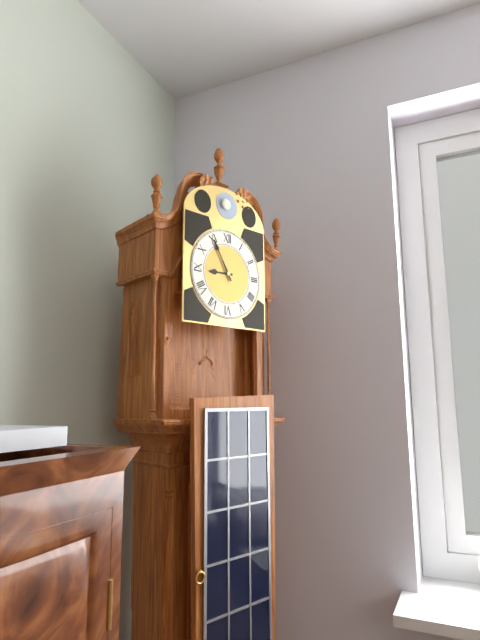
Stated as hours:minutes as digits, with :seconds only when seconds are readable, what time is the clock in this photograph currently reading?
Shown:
8:55
